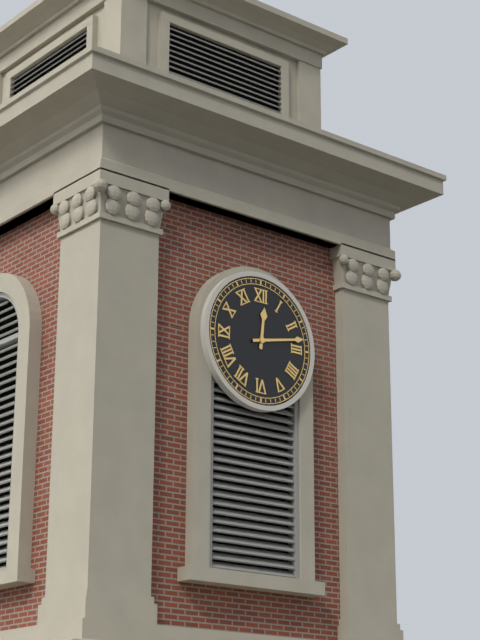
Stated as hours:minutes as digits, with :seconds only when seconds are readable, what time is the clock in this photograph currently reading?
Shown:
12:13
